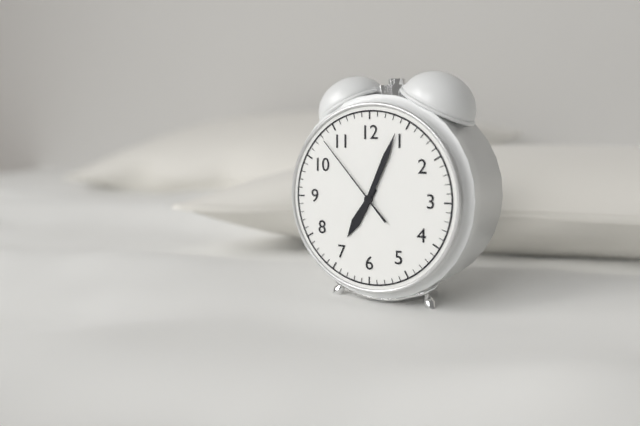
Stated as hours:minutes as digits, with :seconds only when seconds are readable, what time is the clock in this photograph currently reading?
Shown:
7:04:53
